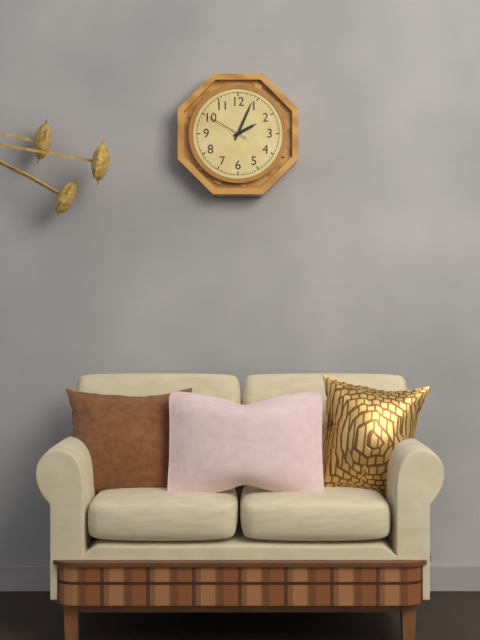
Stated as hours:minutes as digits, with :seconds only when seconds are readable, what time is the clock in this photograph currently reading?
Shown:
2:04
